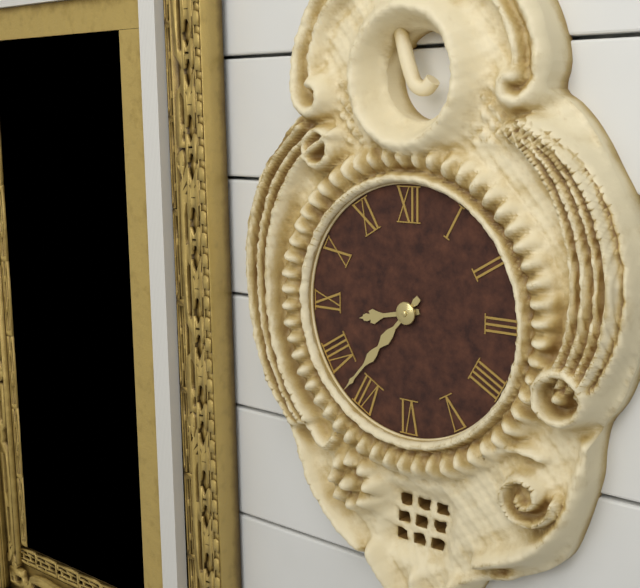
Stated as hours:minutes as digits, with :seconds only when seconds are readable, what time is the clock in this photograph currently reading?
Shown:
8:37
